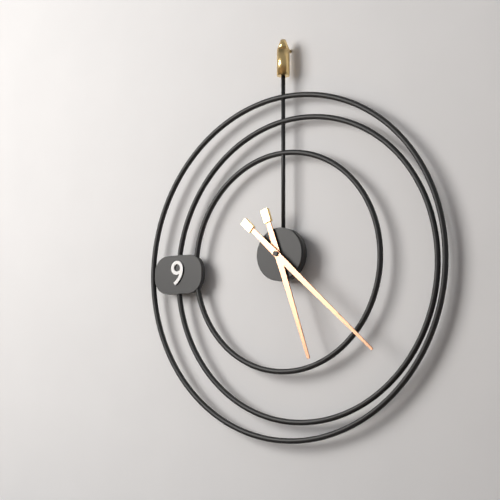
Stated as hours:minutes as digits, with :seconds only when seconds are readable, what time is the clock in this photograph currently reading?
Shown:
5:22
